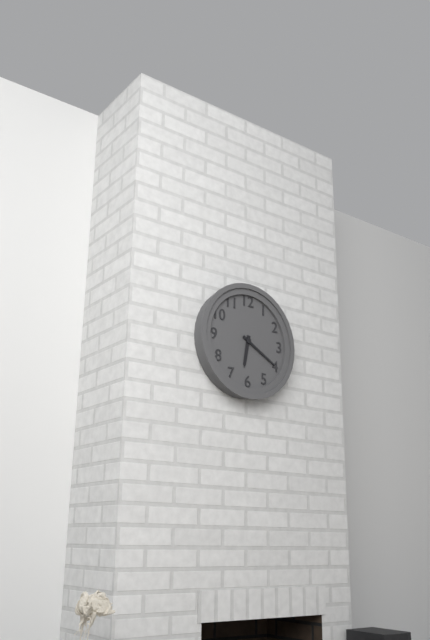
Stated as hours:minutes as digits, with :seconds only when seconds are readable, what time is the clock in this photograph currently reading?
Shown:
6:20
